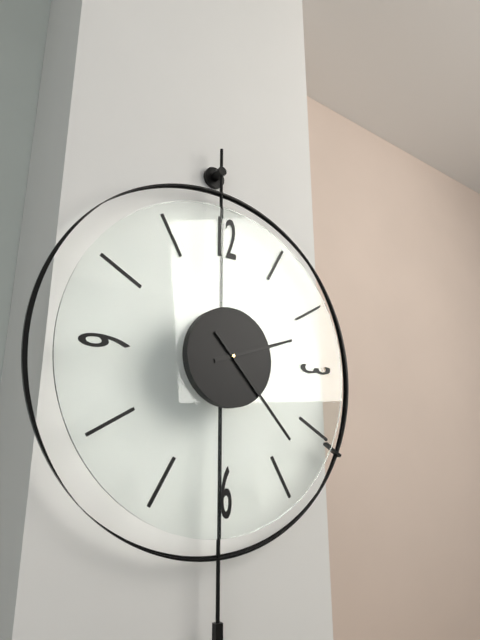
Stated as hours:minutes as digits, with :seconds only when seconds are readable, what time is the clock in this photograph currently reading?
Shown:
2:23
